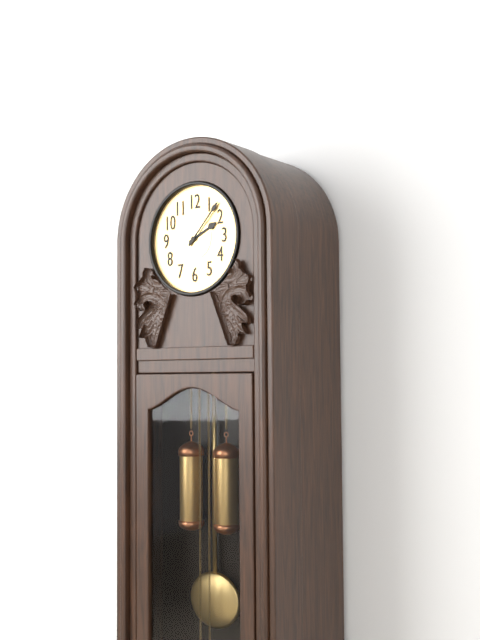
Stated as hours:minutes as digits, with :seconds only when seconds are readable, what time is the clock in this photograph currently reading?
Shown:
2:07
